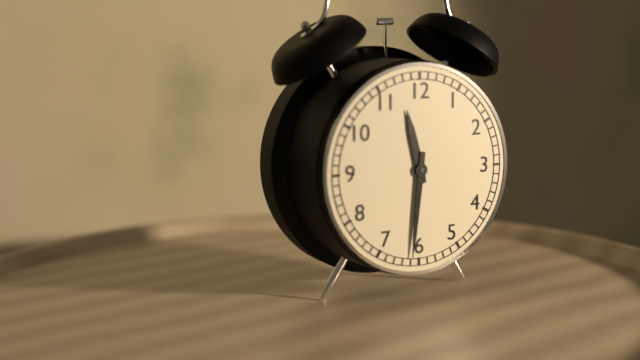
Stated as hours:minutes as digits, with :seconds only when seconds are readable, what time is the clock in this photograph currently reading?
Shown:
11:31
